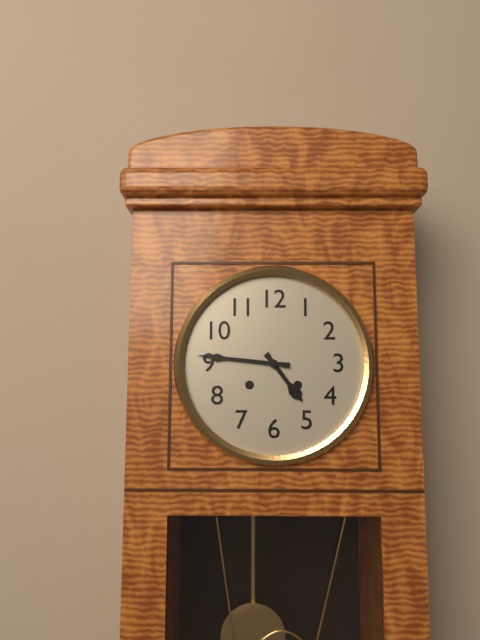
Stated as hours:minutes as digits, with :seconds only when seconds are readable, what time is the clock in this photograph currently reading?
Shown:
4:46
